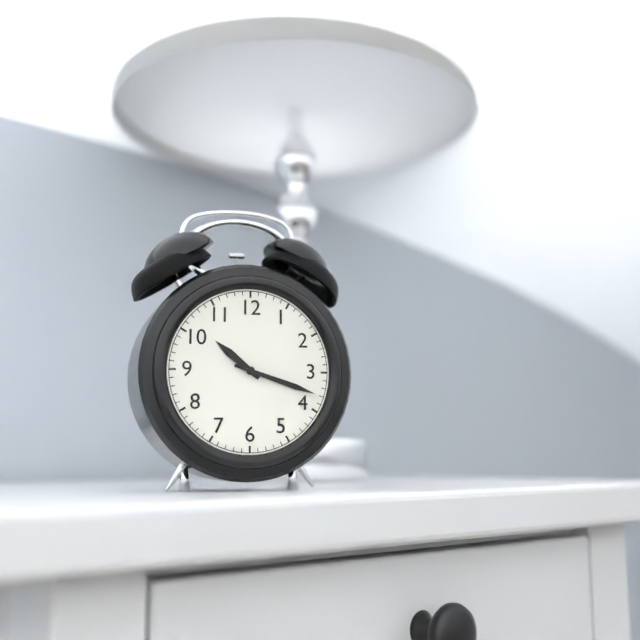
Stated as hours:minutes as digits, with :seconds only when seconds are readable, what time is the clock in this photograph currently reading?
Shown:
10:18
